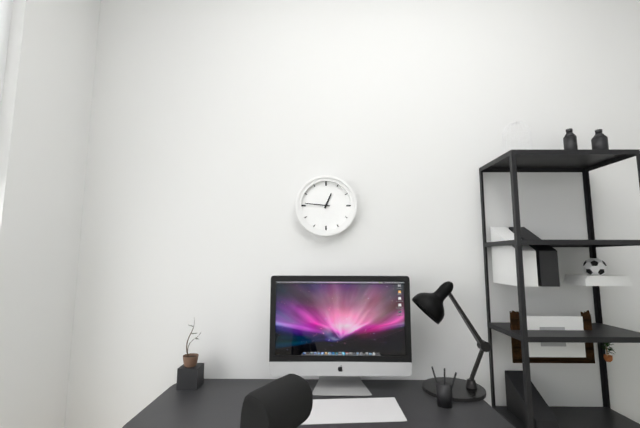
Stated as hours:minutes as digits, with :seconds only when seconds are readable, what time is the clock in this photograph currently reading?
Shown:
12:46
